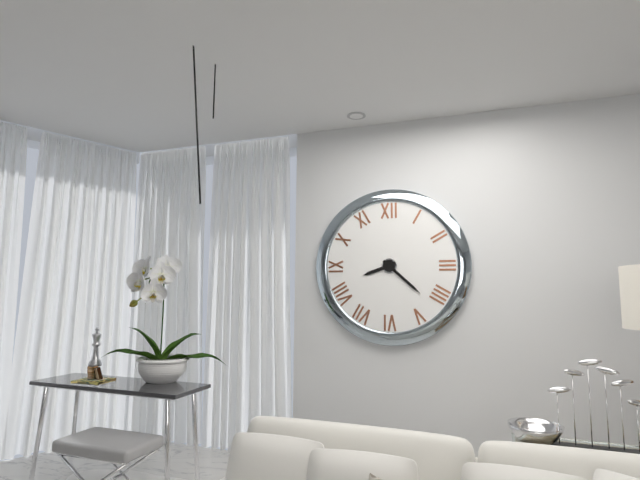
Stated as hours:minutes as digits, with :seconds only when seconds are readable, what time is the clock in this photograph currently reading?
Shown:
8:22
